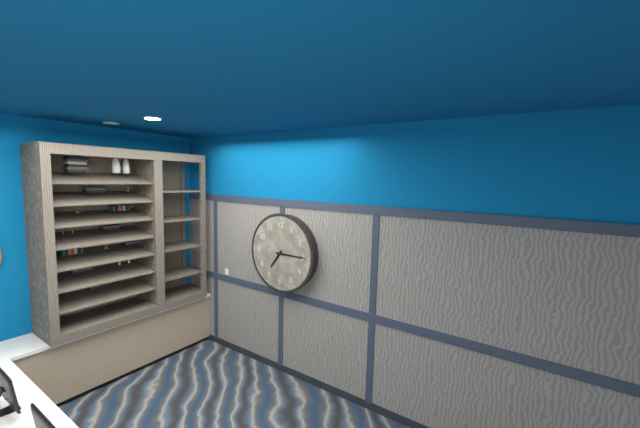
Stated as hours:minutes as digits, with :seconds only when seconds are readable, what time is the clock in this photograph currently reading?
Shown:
7:15
